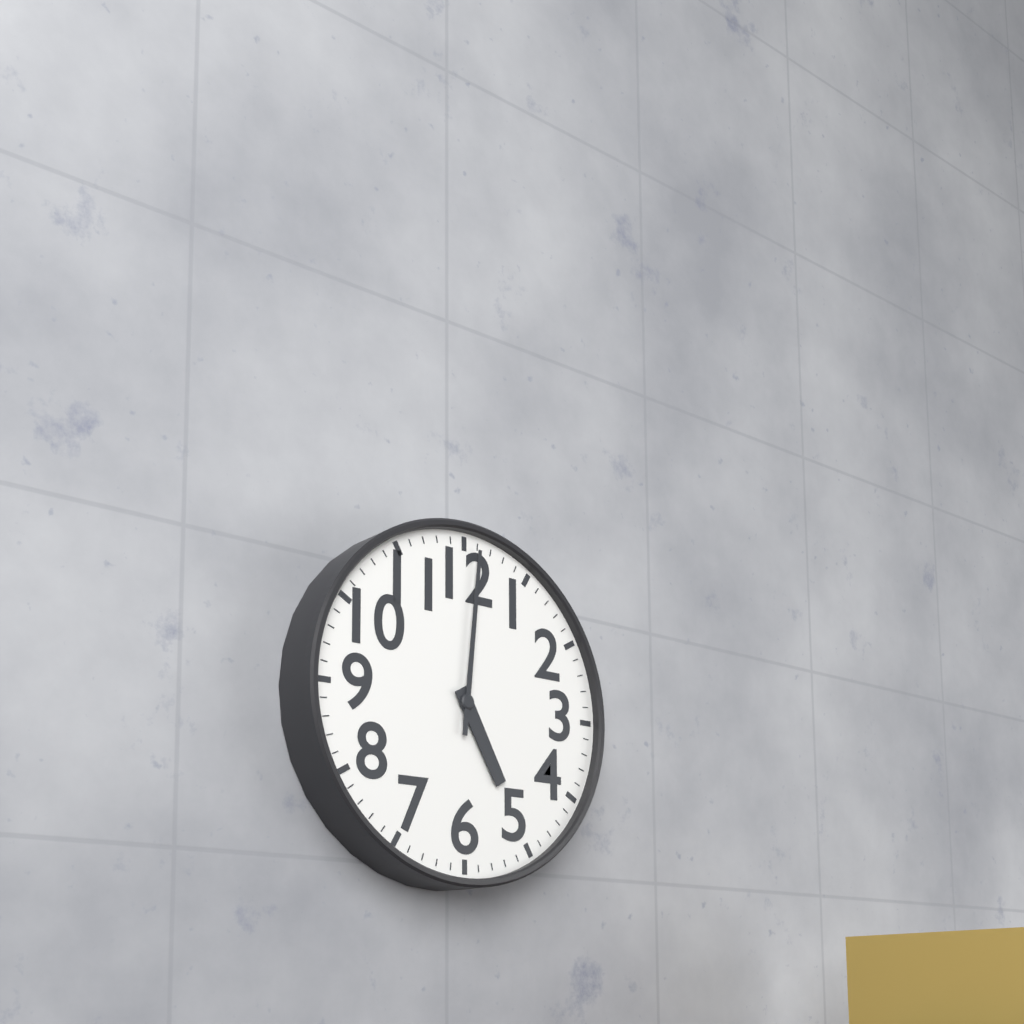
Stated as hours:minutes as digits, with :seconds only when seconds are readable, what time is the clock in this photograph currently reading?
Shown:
5:01
